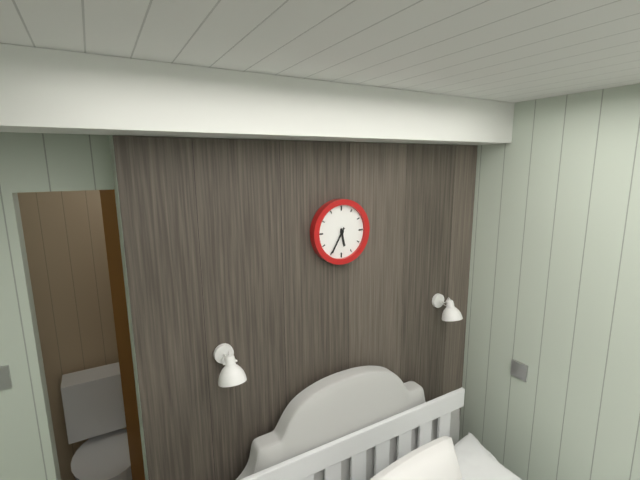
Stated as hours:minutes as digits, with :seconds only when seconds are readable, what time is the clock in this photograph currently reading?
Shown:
5:35
